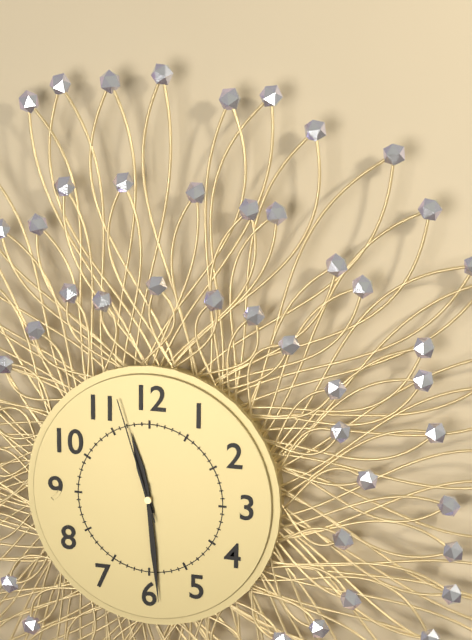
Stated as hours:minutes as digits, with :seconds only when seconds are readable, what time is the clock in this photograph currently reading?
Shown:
11:29:57
